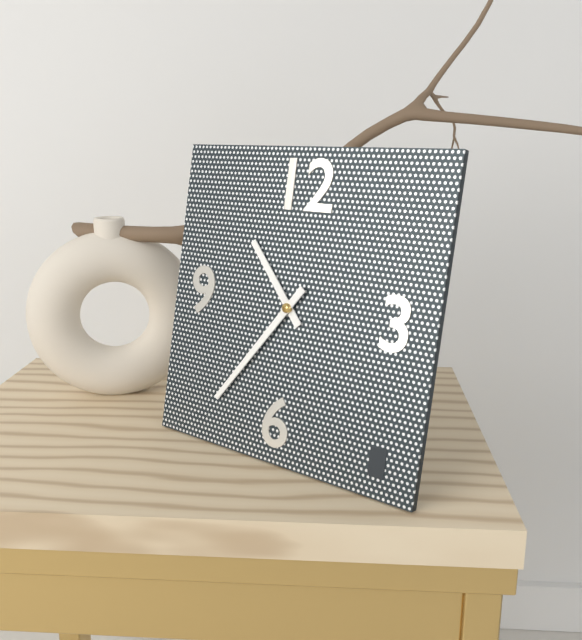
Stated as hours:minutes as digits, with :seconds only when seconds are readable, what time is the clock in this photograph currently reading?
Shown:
10:36
